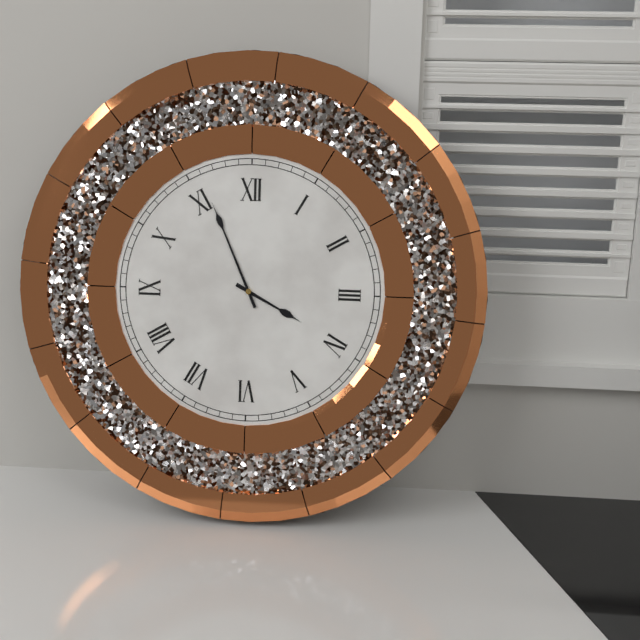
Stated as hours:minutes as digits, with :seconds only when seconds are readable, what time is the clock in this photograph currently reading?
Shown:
3:56
